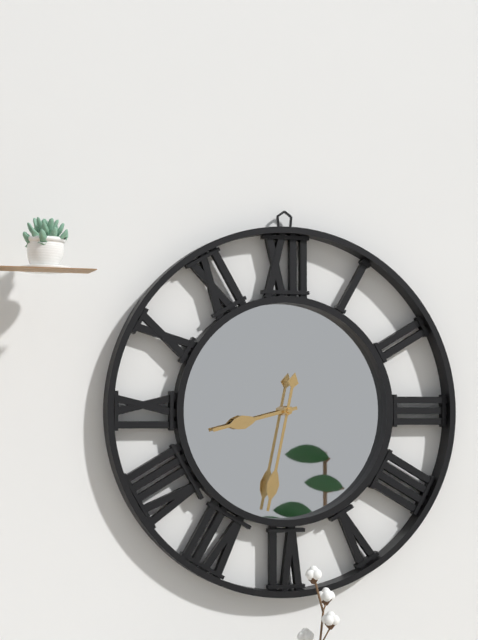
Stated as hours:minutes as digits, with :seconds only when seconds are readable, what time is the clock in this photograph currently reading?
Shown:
8:32
